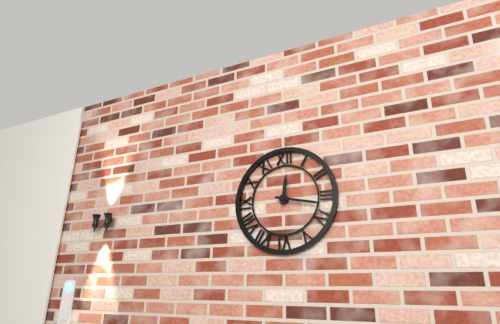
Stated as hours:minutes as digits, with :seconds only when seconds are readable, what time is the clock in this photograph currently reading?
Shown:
12:17
